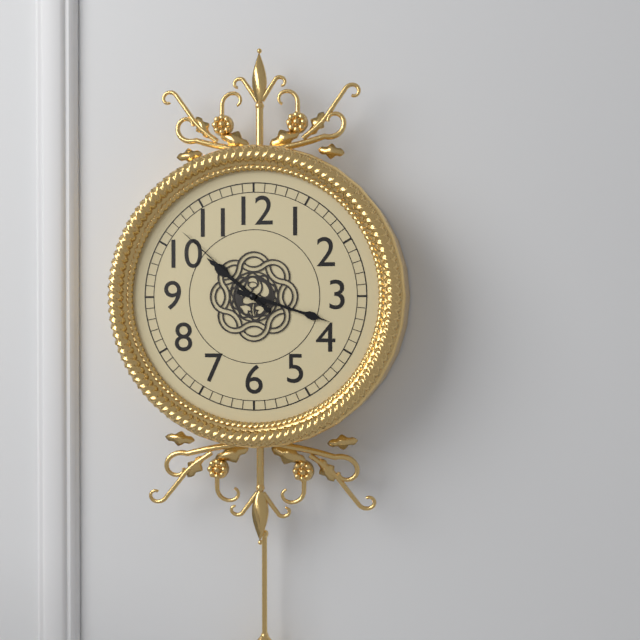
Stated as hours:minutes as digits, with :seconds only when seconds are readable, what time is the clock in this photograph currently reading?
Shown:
10:18:52
